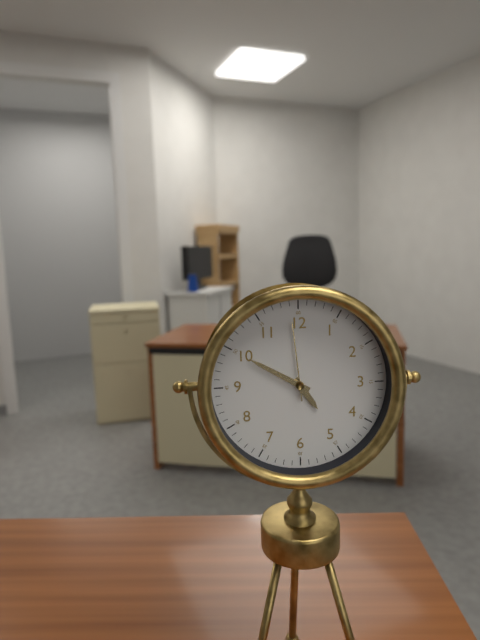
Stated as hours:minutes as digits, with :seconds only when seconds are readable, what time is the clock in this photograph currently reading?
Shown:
4:50:59
